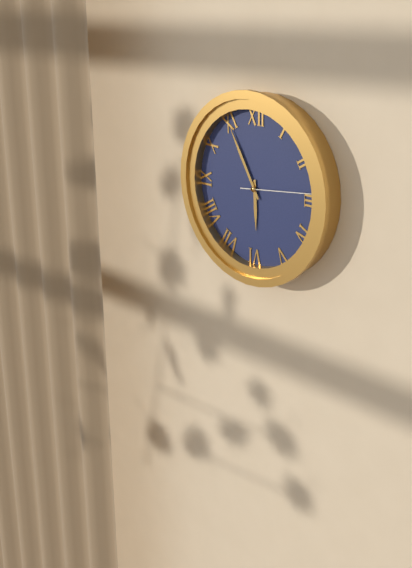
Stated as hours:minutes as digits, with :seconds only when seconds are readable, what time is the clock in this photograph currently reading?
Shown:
5:55:14
